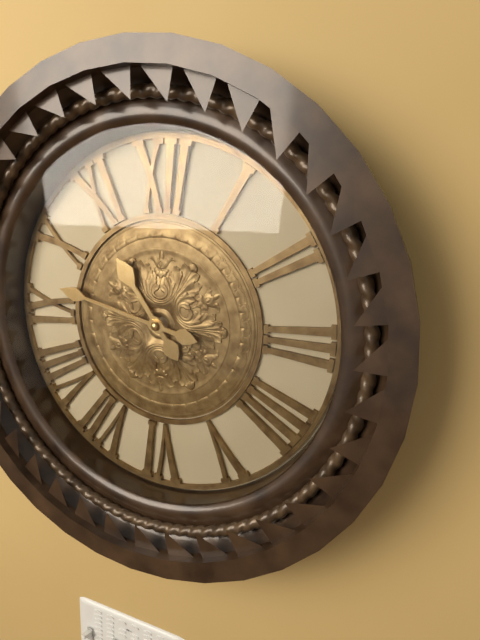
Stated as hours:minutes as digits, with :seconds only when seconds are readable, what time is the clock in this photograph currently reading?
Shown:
10:47
